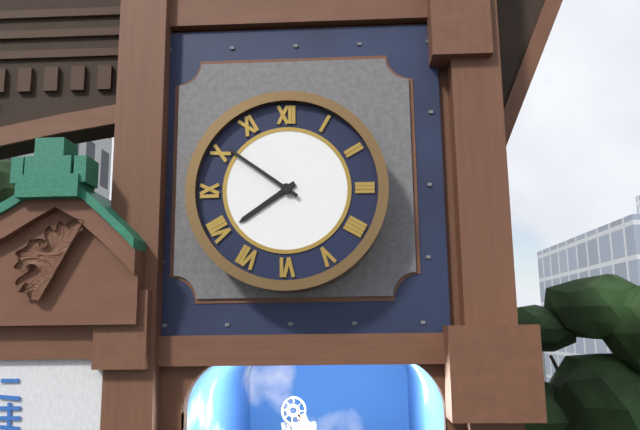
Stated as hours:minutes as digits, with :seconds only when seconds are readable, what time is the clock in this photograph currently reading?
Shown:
7:51
